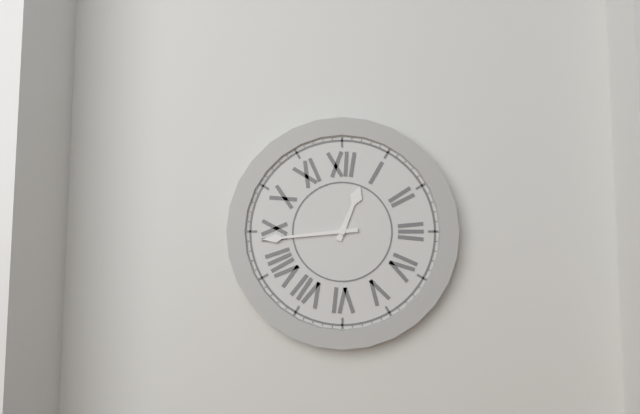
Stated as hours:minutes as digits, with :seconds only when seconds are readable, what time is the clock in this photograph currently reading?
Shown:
12:44
